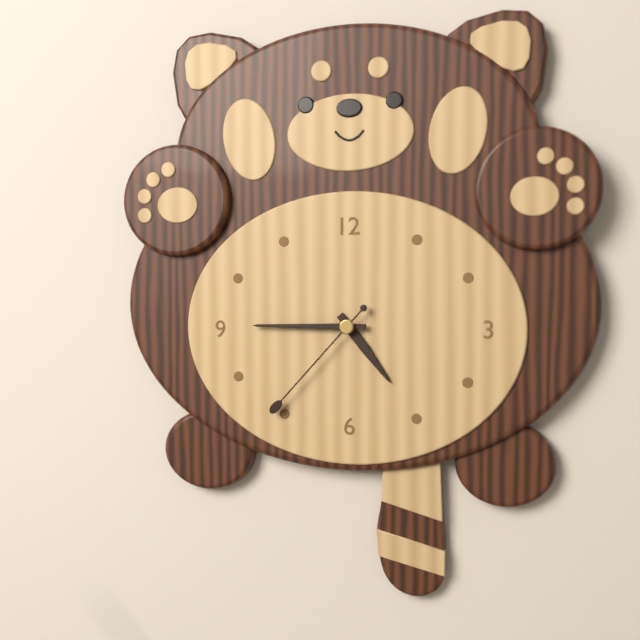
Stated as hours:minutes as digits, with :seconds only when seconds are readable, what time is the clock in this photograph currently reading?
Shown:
4:45:37
